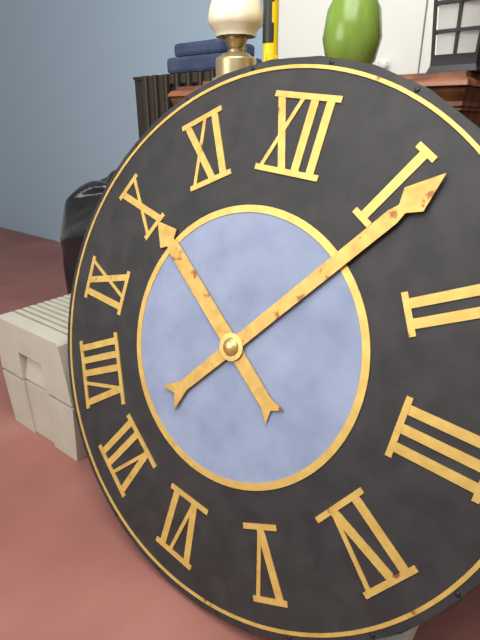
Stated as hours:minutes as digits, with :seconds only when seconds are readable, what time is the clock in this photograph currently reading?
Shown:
10:06
